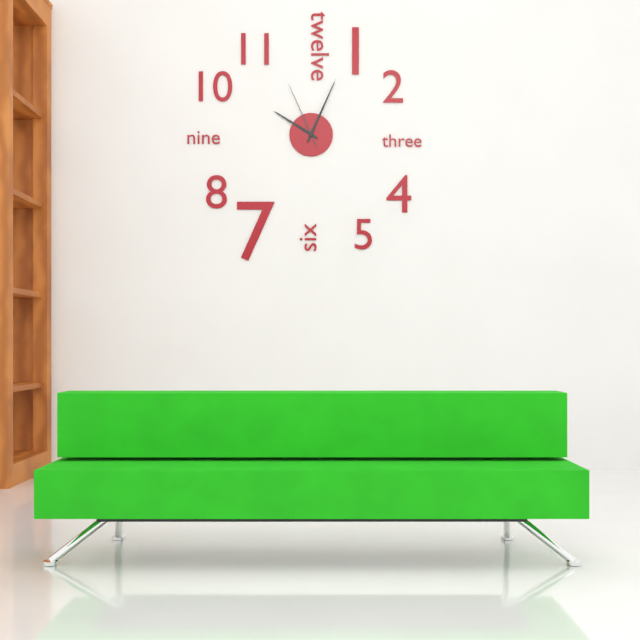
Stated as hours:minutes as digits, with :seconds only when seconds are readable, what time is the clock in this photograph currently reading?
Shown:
10:04:56
